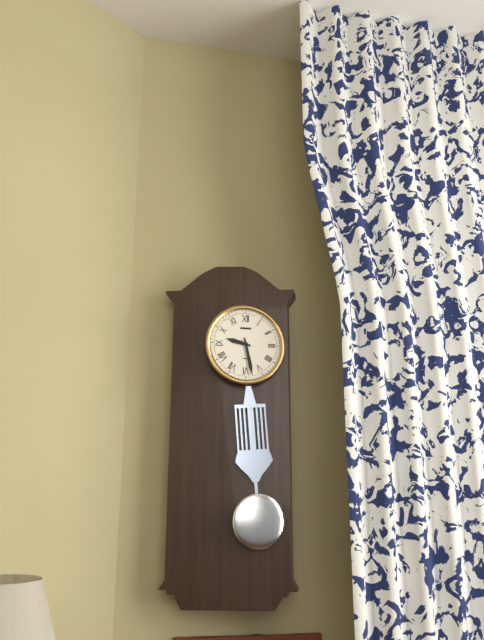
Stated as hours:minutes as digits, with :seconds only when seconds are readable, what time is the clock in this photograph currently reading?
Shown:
9:28
